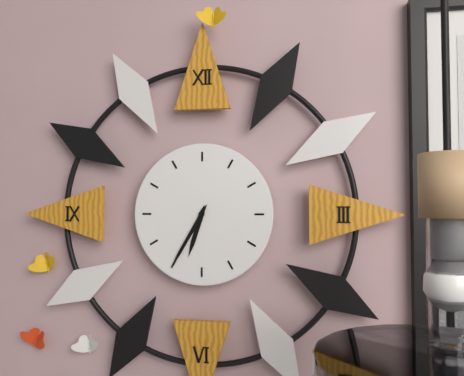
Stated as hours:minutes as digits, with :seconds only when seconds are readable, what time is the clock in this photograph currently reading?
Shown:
6:35
